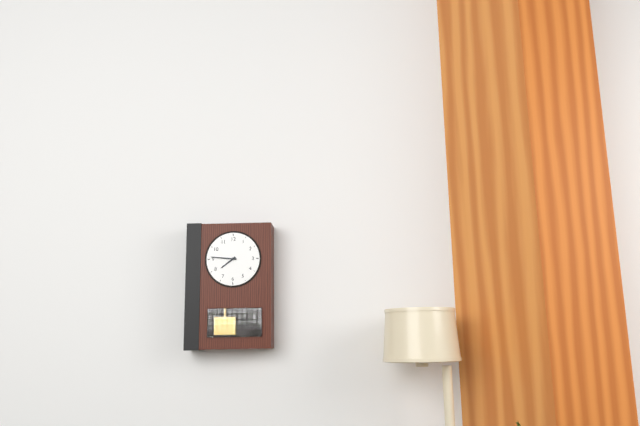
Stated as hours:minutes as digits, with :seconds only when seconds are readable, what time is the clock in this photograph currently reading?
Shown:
7:46
